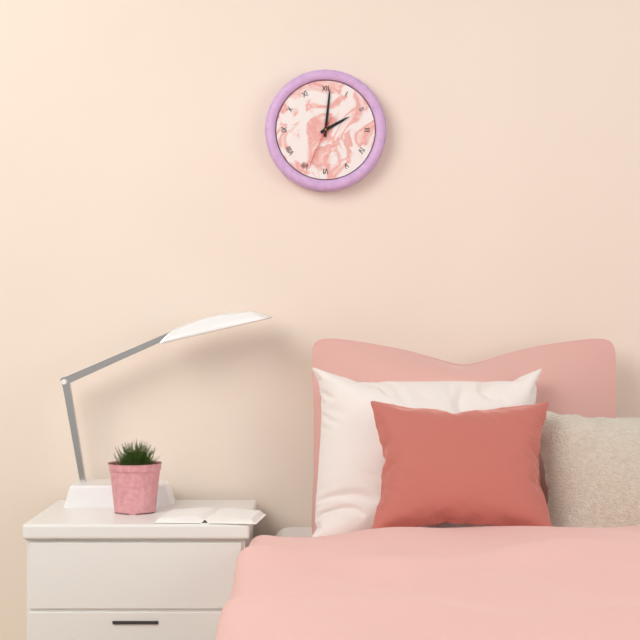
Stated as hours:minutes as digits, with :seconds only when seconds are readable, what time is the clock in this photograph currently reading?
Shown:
2:01
